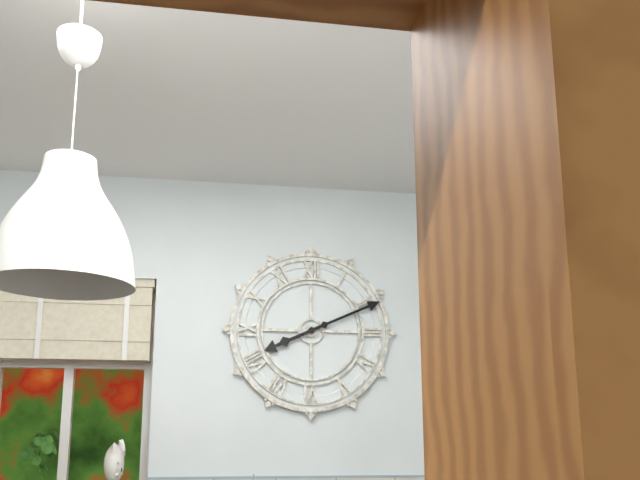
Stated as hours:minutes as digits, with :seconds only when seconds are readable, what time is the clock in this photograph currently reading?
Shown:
8:11
